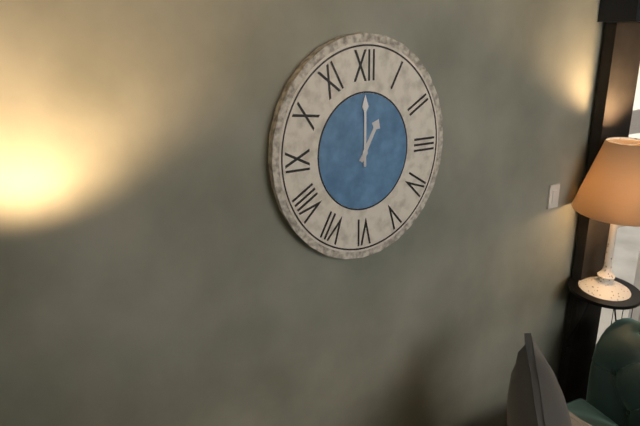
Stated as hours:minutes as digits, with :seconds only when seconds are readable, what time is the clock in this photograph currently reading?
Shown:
1:00
